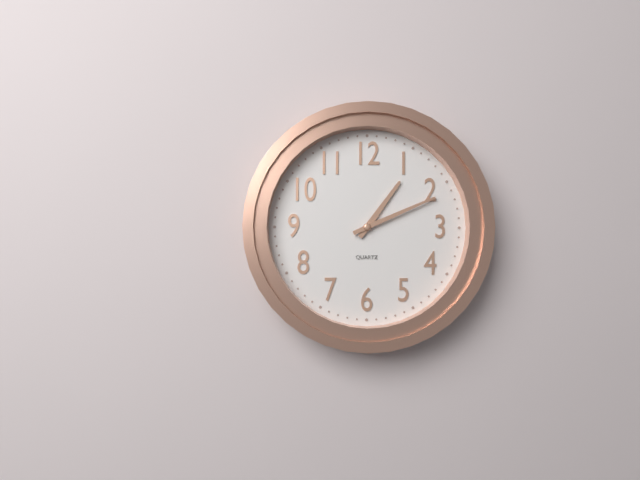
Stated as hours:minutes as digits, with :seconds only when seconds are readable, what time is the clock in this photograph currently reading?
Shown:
1:11
